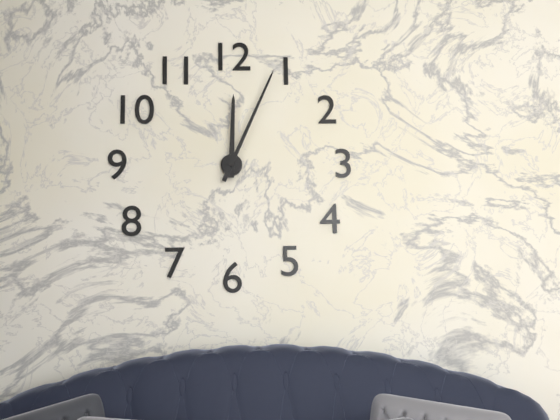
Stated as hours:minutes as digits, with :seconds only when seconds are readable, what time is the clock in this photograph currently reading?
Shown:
12:04
